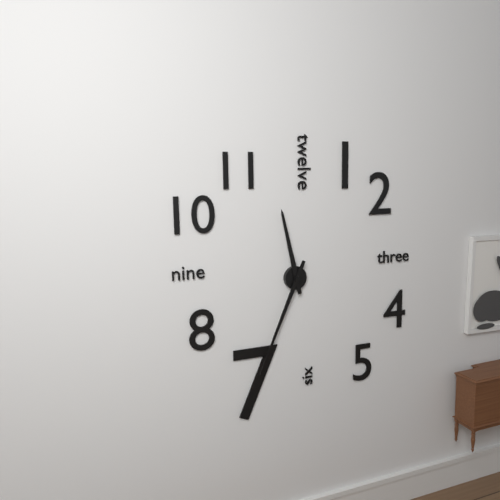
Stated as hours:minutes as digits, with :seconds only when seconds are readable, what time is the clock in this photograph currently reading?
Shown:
11:34
